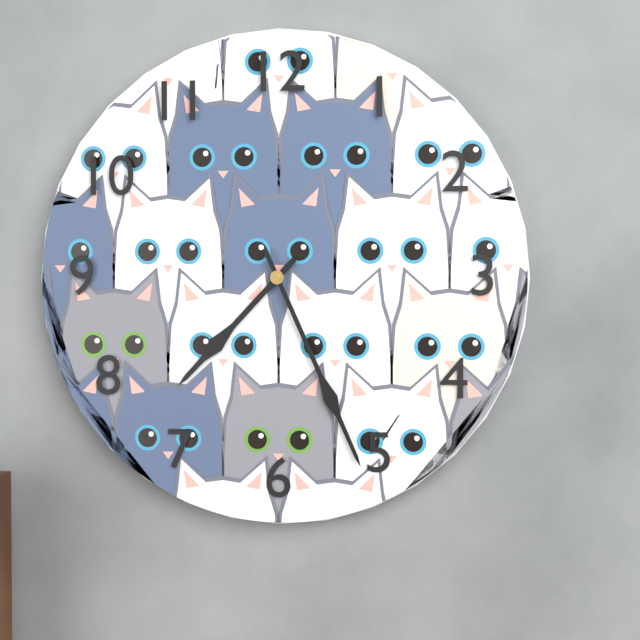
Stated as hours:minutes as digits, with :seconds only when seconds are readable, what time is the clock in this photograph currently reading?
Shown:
7:26
